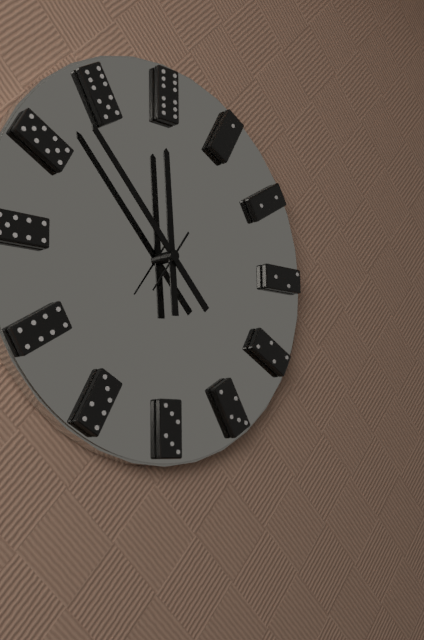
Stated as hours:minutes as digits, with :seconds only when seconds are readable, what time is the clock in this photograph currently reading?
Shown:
11:53
